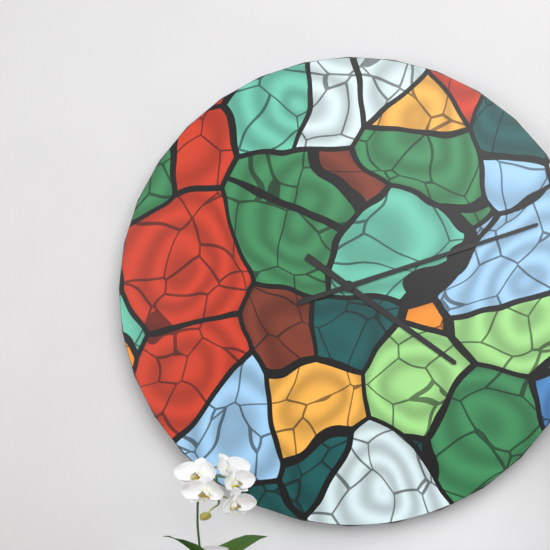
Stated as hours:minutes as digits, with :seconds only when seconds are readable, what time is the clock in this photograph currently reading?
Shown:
4:12
